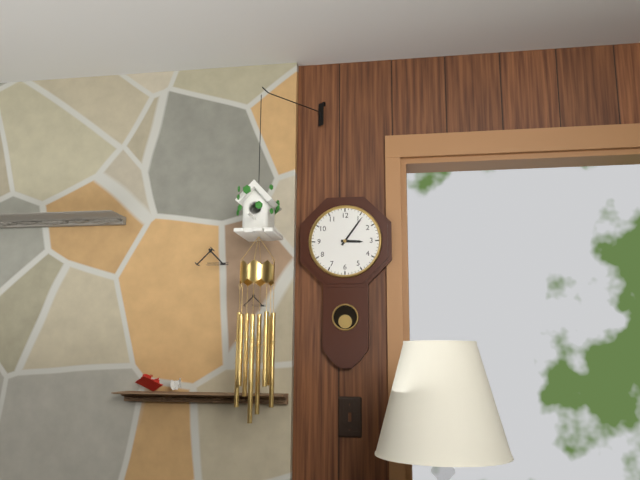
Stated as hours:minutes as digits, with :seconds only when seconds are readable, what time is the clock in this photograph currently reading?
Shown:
3:06
